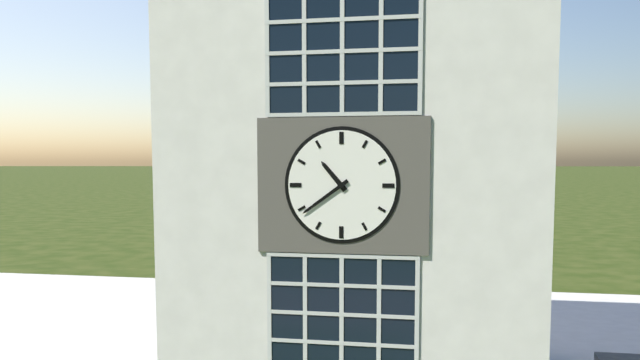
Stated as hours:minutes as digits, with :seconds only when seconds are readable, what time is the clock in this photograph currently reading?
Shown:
10:39
